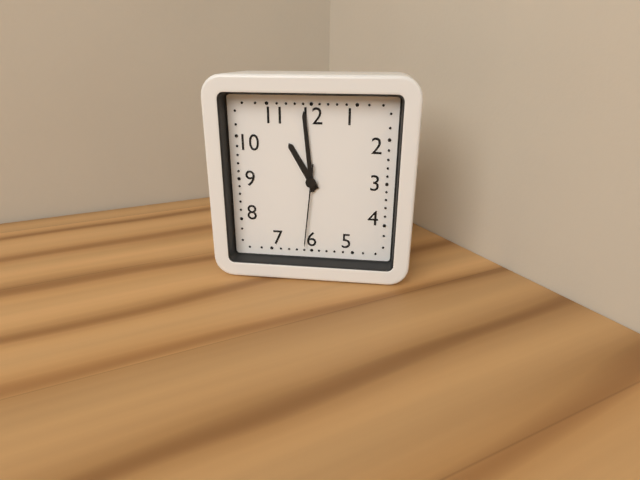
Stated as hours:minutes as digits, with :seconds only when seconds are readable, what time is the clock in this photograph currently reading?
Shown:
10:59:31
